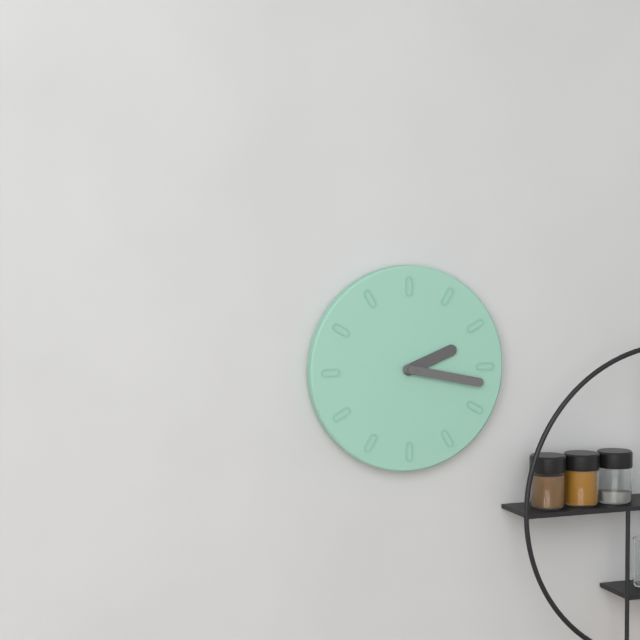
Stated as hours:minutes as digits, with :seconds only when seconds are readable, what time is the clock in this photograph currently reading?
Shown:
2:17
